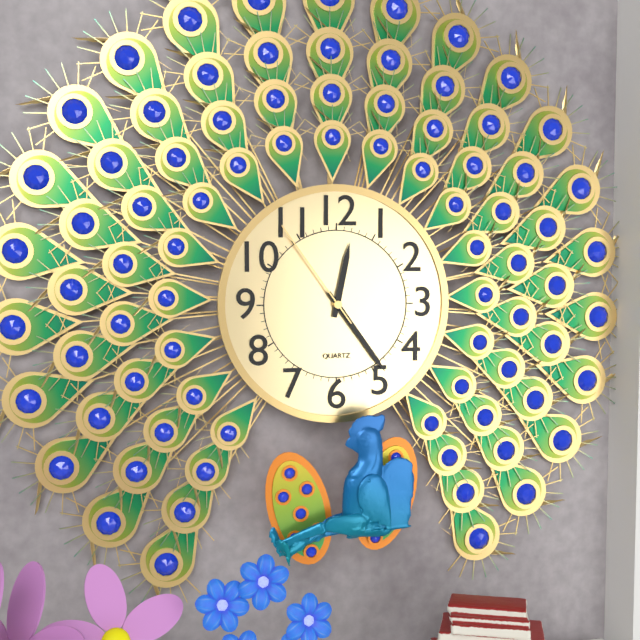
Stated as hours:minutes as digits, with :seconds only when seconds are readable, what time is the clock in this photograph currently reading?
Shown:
12:24:54
